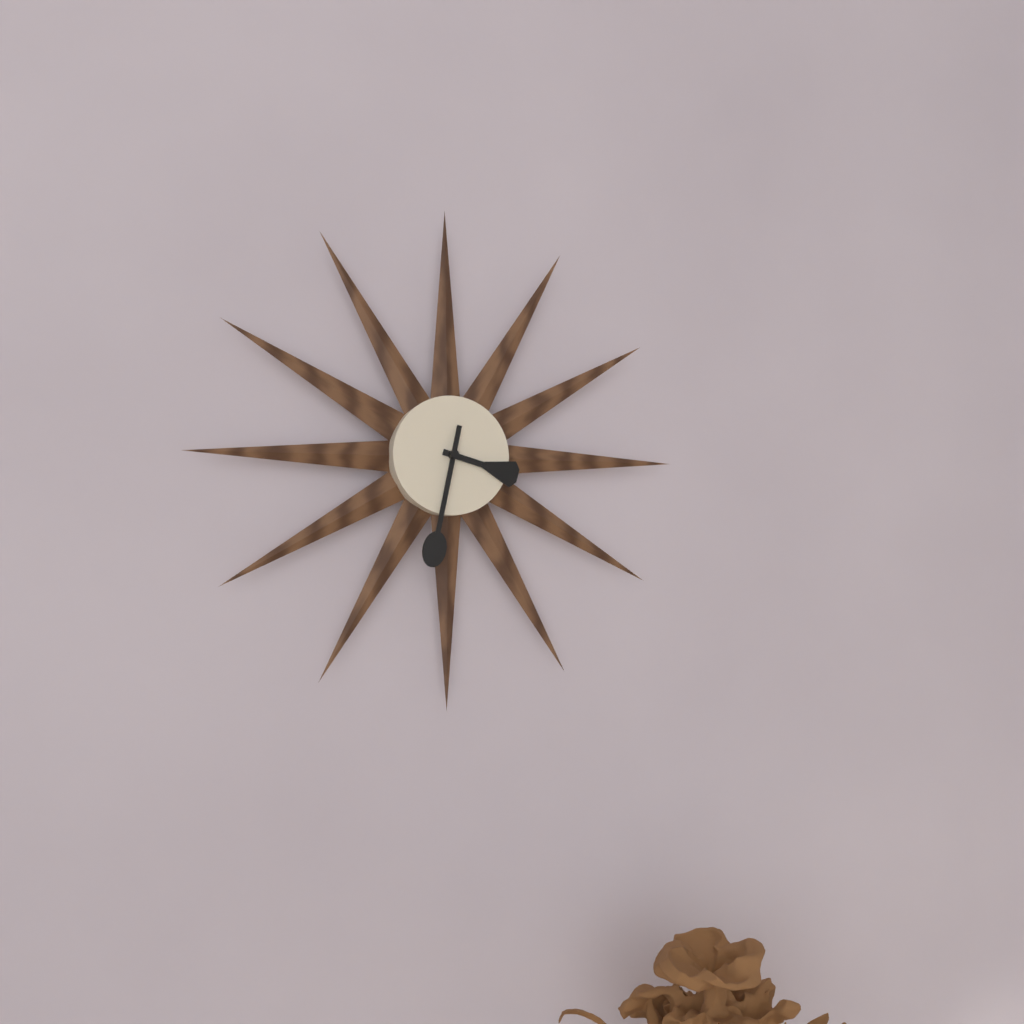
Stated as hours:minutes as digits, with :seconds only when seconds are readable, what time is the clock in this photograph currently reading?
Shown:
3:32
